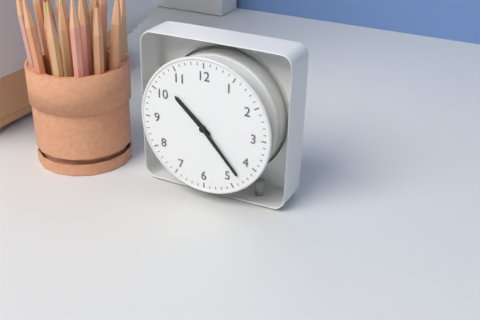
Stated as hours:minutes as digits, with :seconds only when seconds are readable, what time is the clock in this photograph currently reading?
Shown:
10:23
